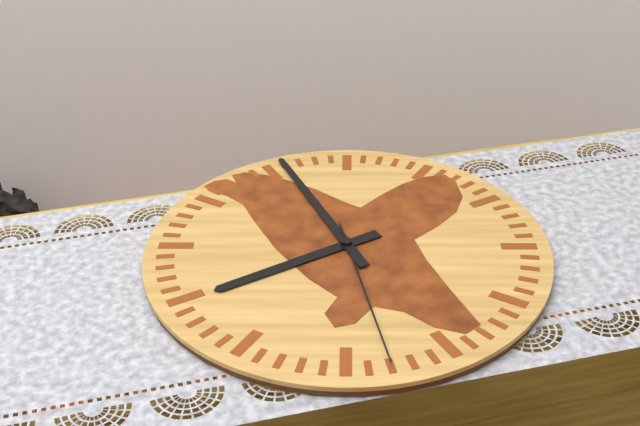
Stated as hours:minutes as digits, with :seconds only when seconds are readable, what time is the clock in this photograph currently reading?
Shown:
7:56:28
